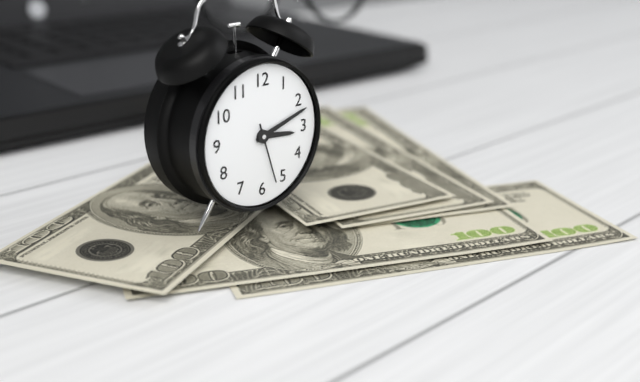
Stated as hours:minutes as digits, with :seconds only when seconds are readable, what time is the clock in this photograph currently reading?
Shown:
3:12:27
